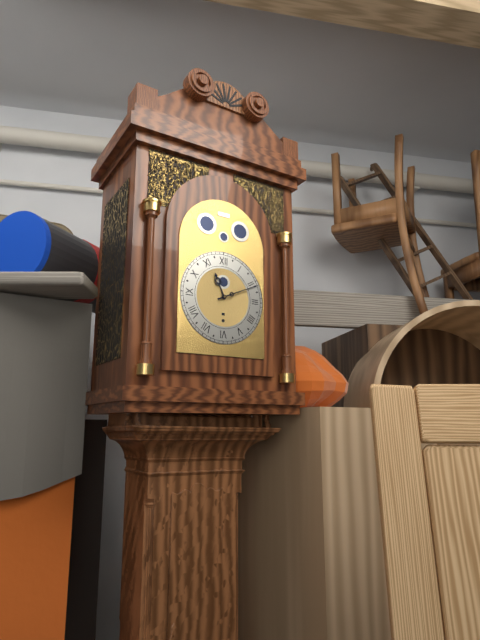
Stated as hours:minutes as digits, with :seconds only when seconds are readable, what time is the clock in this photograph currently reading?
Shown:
11:11
